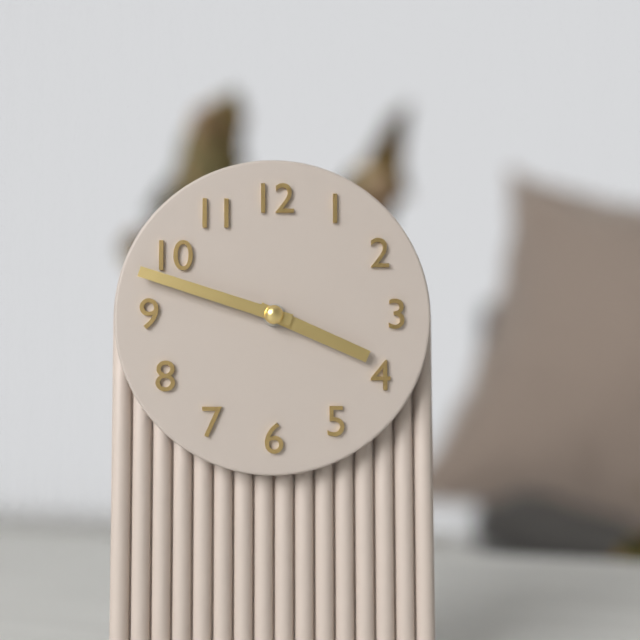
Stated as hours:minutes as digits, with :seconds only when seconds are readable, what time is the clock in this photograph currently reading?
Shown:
3:48
